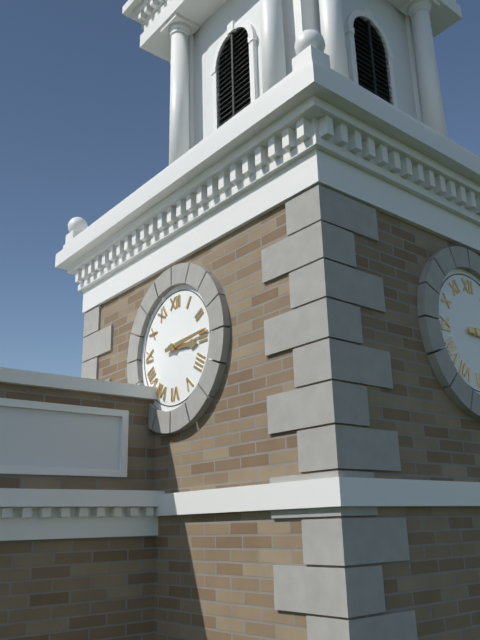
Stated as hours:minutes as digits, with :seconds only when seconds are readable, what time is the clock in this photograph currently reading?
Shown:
3:14
